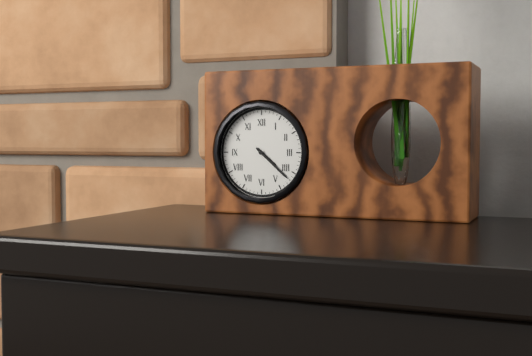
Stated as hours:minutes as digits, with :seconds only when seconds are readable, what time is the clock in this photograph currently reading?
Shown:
4:22
